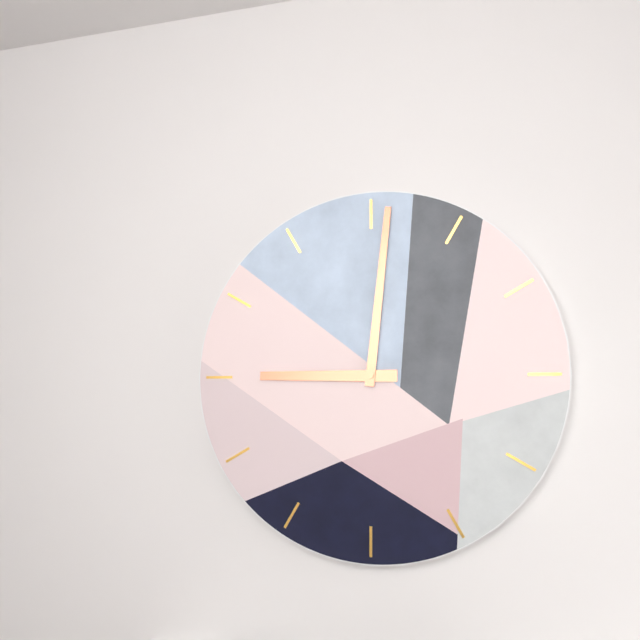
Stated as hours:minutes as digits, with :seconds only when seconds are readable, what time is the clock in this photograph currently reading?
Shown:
9:01
